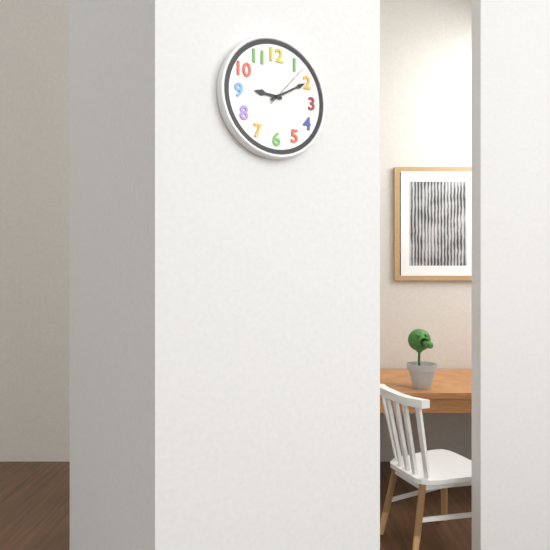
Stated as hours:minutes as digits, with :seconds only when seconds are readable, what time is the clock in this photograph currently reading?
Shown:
9:10
